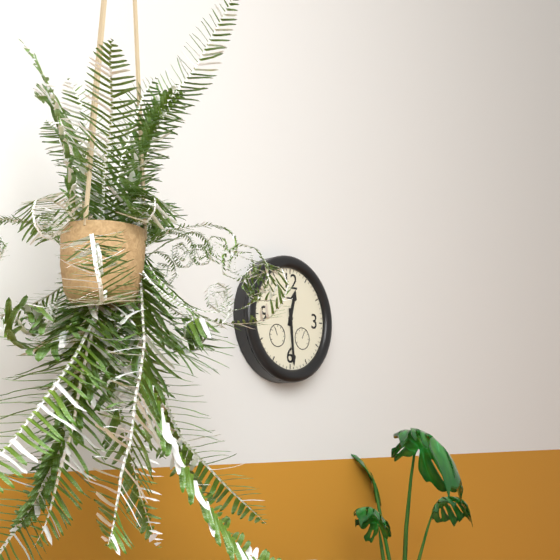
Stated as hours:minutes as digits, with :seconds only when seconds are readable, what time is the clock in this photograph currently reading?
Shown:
12:29
